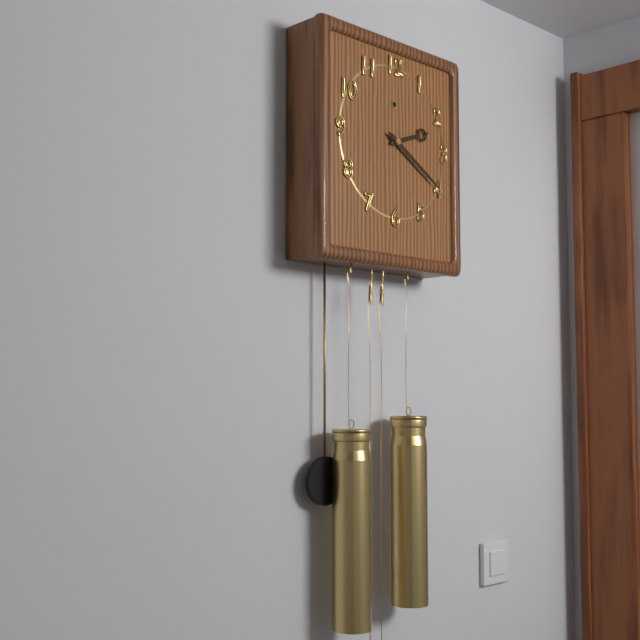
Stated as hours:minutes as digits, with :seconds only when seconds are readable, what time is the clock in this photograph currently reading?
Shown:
2:20
